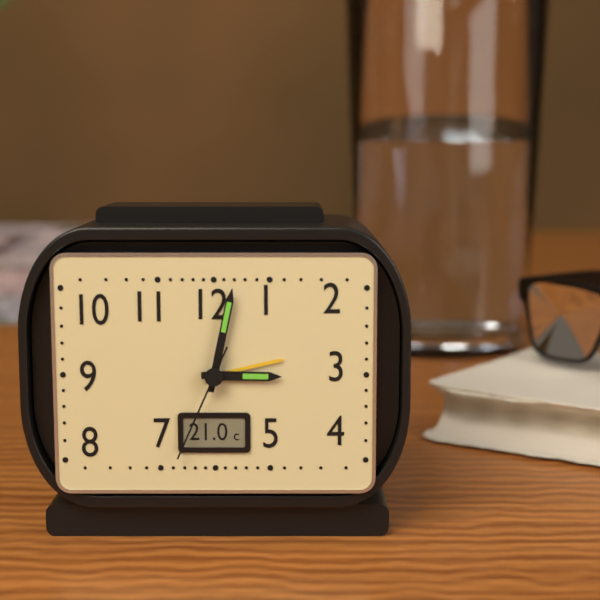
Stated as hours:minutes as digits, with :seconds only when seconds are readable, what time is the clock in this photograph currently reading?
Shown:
3:02:34
